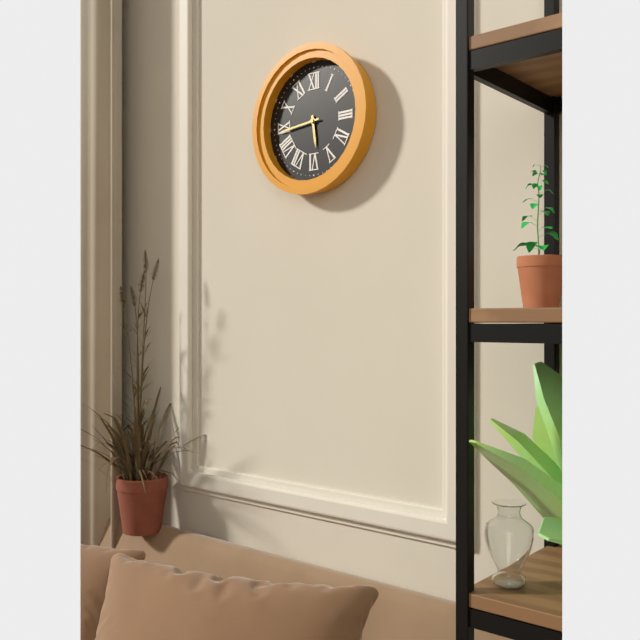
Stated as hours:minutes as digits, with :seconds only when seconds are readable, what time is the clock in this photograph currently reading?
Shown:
5:44
